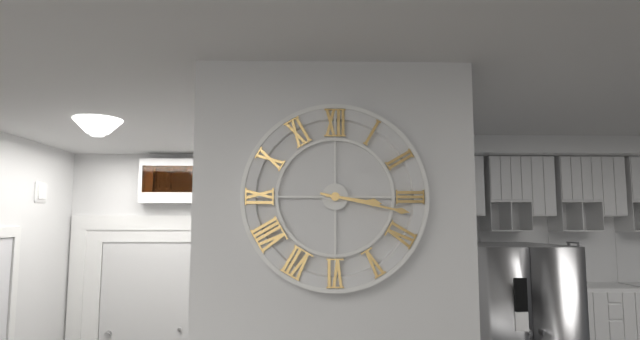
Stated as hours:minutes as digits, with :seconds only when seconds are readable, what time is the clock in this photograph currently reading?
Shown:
3:17
